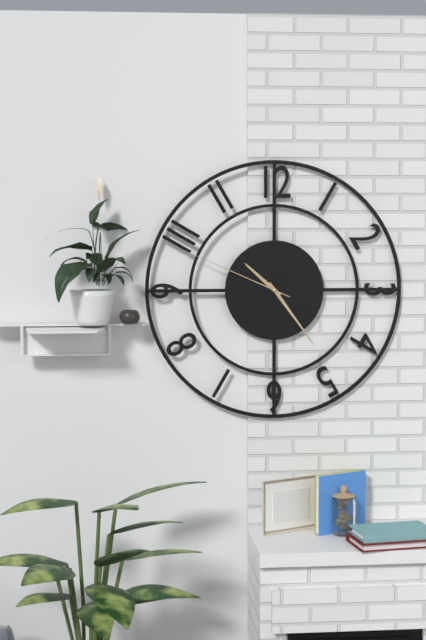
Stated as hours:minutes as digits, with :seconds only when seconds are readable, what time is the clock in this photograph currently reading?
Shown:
10:24:49
